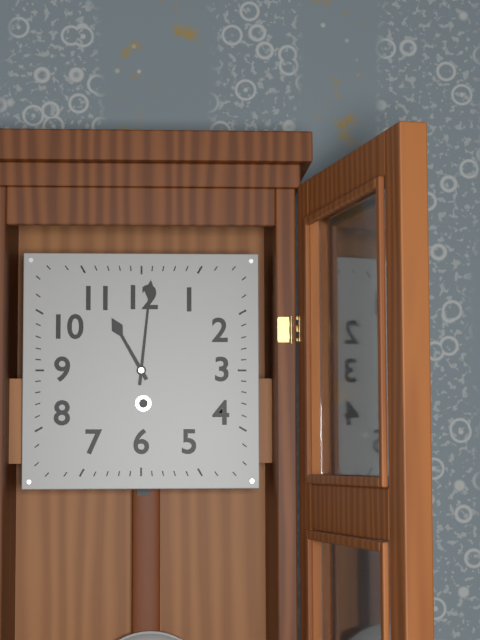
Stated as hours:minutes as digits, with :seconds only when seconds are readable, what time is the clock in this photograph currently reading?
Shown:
11:01
